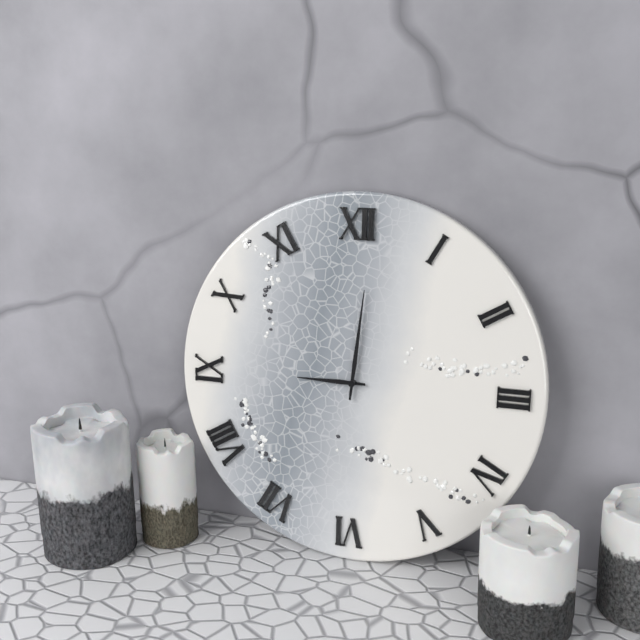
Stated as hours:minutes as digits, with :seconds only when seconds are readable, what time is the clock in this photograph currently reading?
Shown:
9:01
